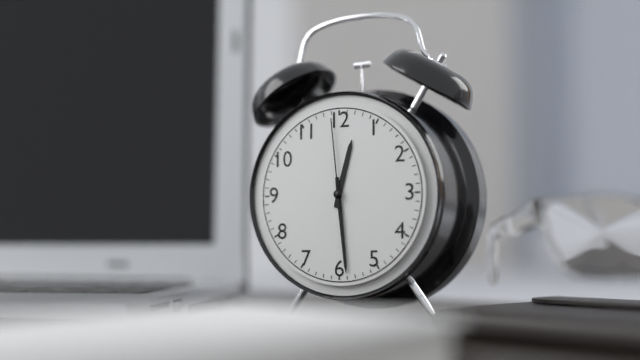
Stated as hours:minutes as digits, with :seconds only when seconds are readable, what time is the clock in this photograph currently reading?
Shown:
12:29:59
